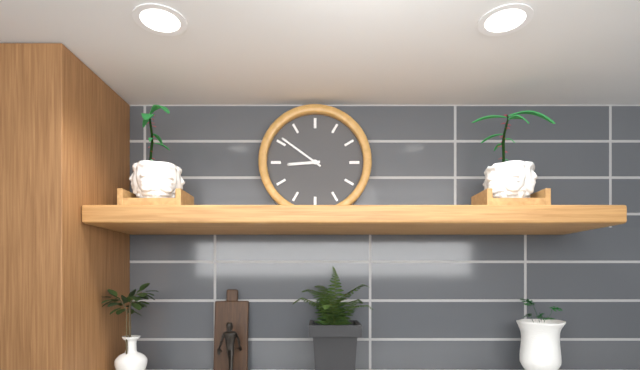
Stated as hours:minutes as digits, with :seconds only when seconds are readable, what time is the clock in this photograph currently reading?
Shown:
8:51
